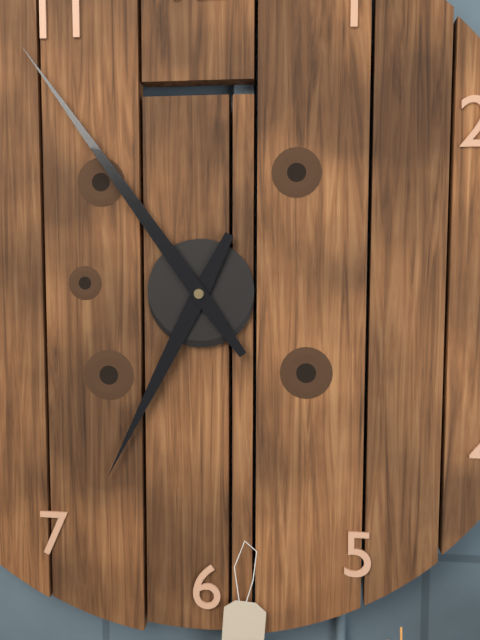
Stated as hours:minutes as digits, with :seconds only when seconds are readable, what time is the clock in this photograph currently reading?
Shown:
6:54
